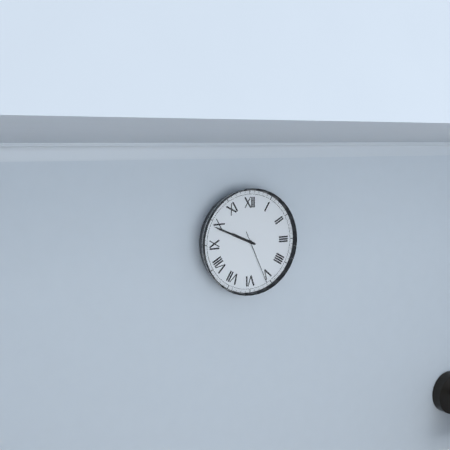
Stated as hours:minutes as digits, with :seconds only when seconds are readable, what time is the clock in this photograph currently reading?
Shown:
9:49:26
